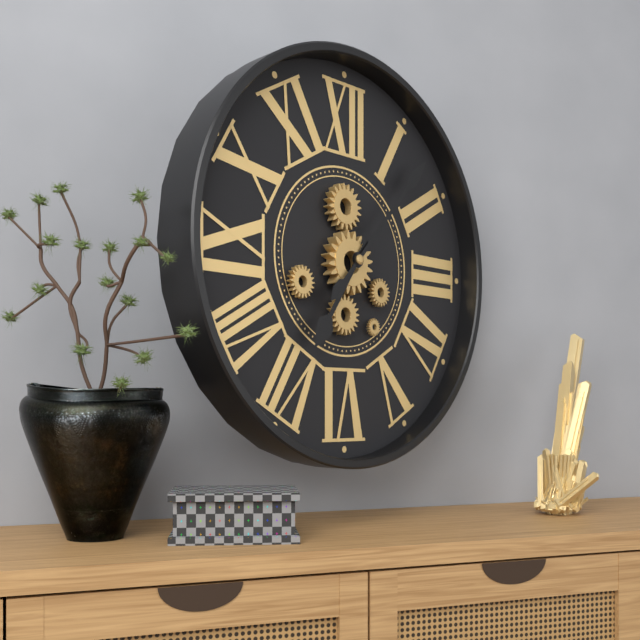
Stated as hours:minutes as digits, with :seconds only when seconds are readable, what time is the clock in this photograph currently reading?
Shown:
7:07
